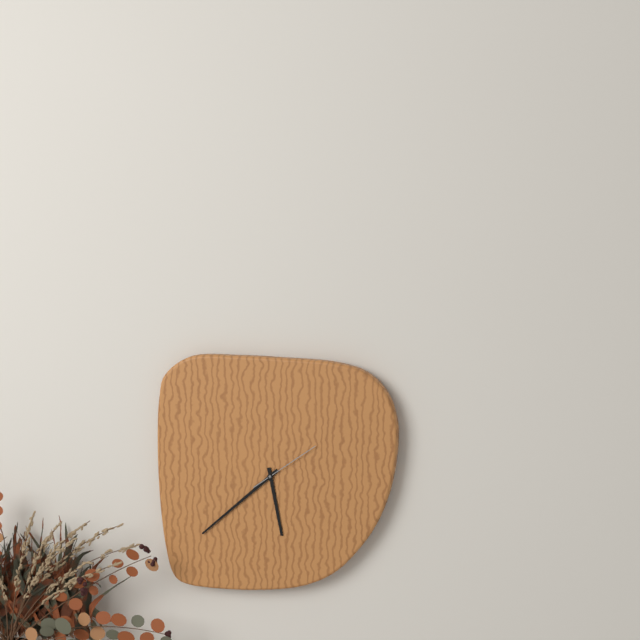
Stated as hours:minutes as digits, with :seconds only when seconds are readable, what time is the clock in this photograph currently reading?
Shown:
5:38:09
